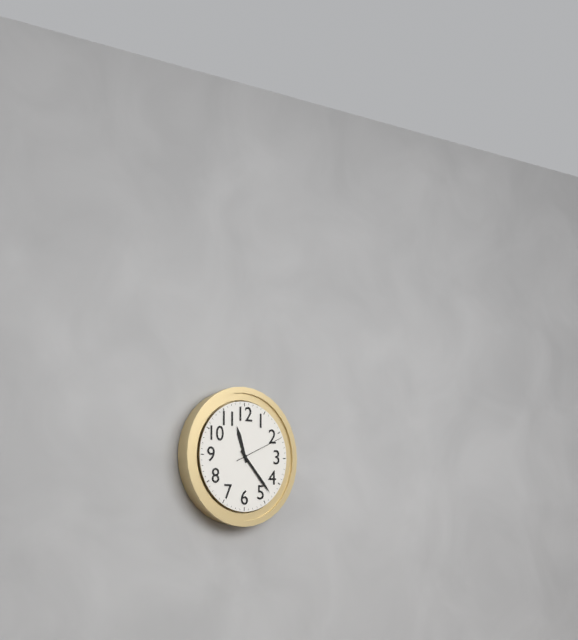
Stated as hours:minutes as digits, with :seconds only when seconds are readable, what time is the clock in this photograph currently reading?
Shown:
11:23:11
